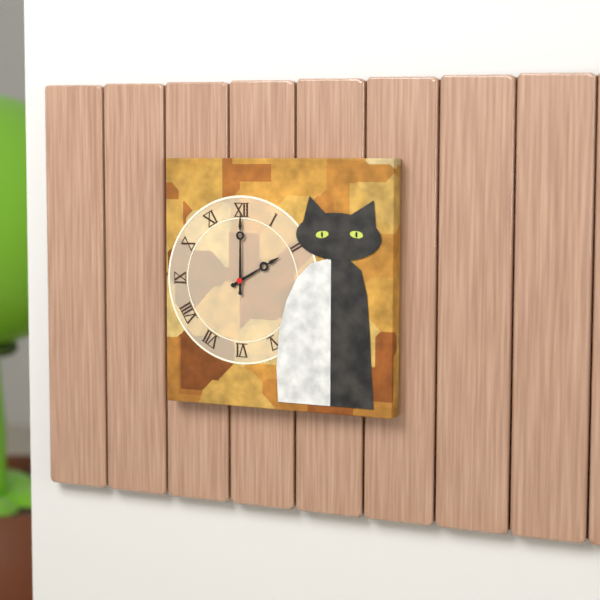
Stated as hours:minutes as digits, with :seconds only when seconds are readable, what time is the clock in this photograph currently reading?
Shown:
2:00
